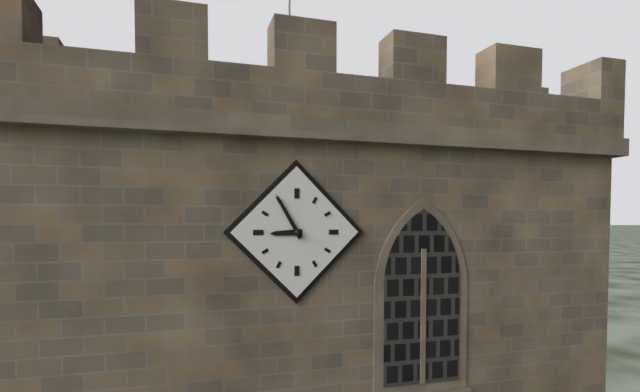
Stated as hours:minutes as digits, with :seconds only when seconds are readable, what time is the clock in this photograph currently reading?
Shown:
8:55
